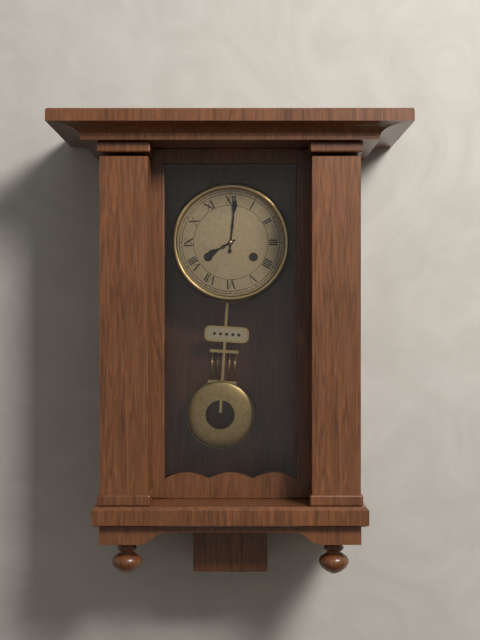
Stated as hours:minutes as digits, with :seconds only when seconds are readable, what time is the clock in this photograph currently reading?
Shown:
8:01
